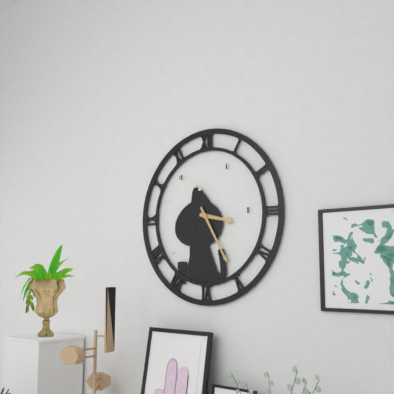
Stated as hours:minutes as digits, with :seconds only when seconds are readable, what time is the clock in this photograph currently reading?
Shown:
3:25
